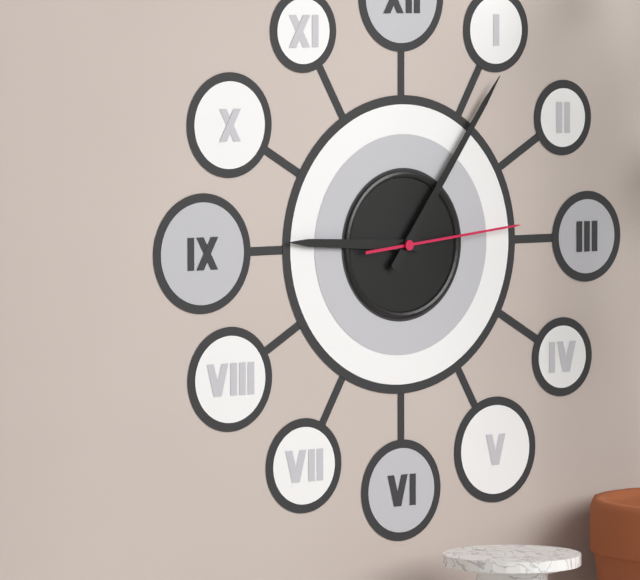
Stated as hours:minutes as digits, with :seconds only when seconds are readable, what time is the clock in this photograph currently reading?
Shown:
9:06:14
